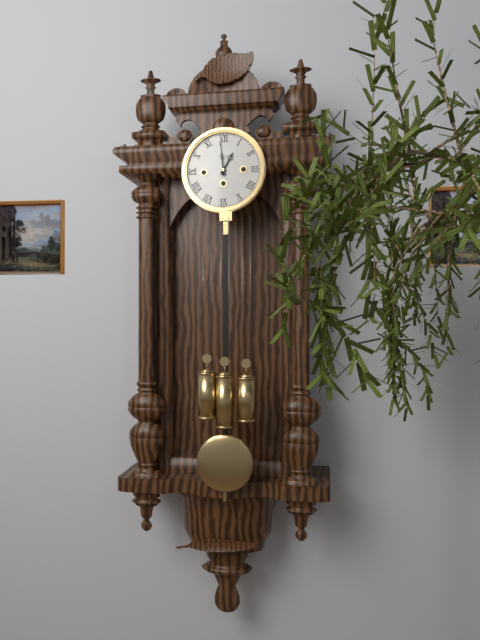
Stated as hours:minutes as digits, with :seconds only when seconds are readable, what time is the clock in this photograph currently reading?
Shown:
12:59
